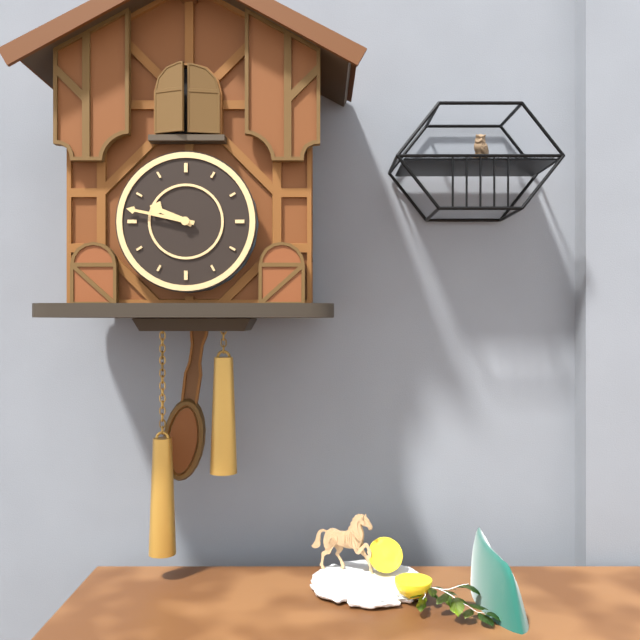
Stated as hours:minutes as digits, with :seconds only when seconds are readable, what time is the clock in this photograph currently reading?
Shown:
9:47
